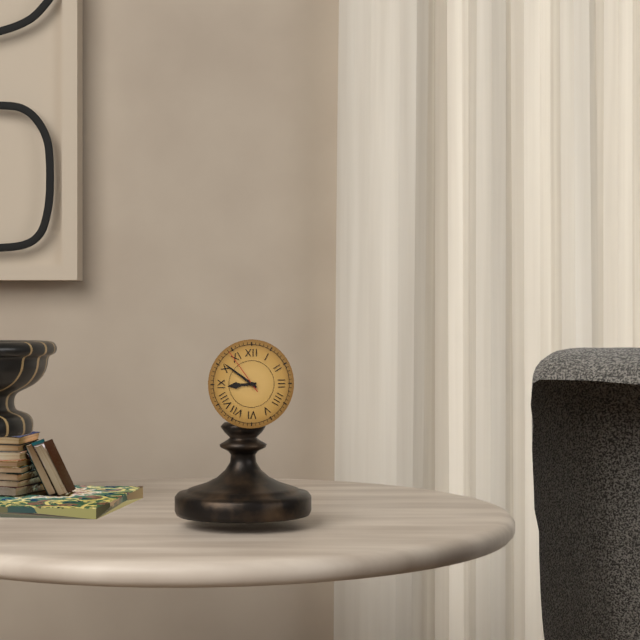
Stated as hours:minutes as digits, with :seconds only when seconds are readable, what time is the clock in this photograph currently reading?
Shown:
8:51:54
